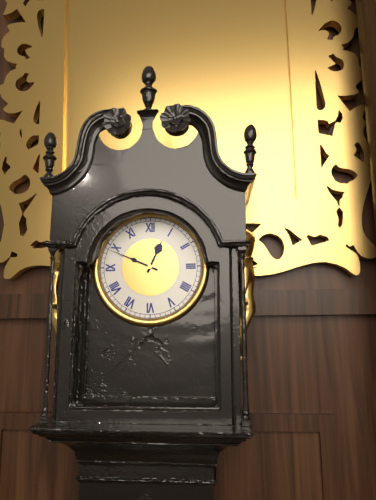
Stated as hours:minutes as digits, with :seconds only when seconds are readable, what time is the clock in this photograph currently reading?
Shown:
12:49
